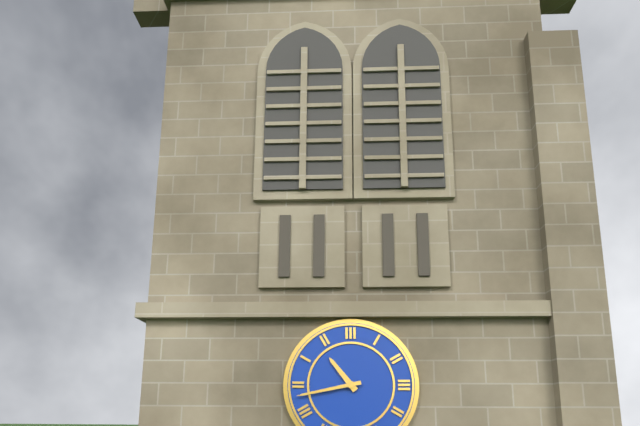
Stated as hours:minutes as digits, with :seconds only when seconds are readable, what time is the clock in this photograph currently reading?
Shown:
10:43
